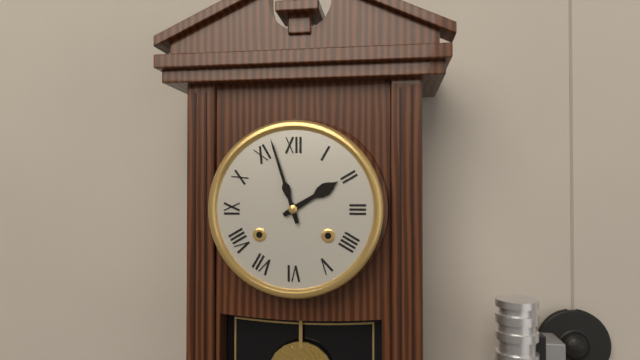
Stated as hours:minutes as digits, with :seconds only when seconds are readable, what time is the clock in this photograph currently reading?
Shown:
1:57
